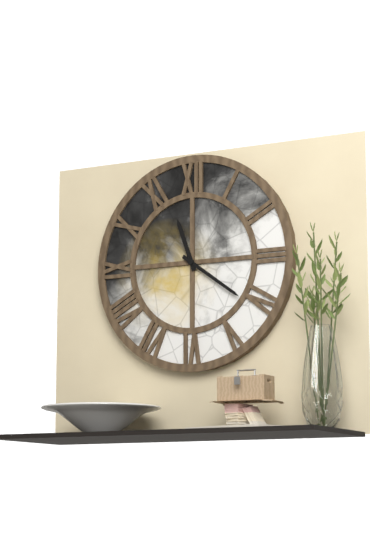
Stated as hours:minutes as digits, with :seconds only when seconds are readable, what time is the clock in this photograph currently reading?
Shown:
11:21
